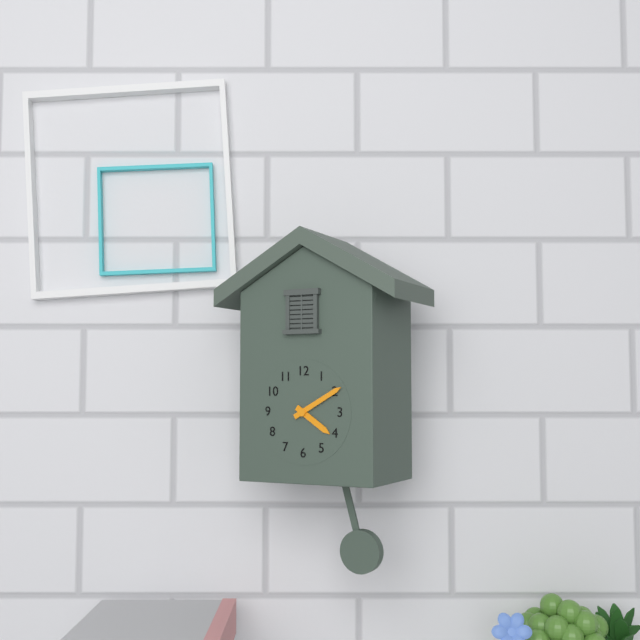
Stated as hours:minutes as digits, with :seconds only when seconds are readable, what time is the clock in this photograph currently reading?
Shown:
4:10
